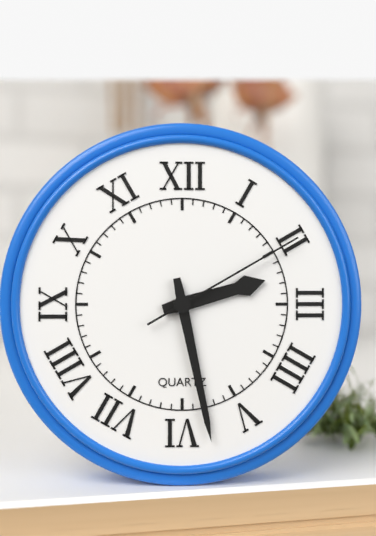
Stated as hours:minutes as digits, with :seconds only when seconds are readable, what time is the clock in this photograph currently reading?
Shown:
2:28:10
